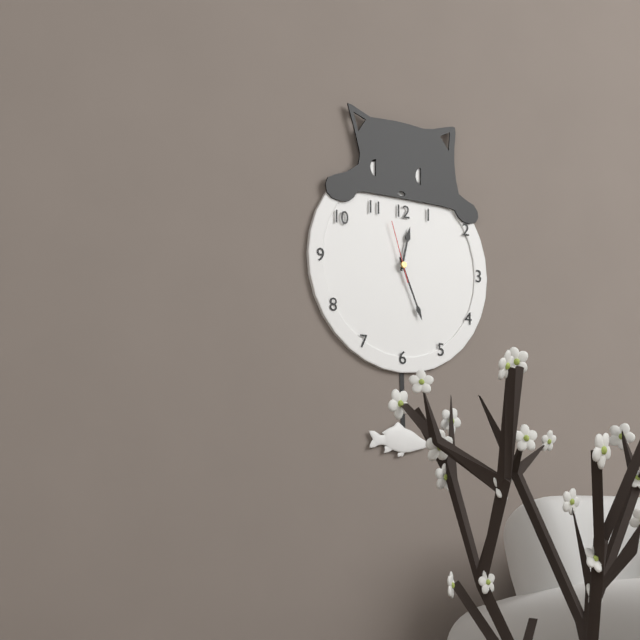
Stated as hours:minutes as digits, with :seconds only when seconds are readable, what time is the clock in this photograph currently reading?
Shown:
12:26:57
